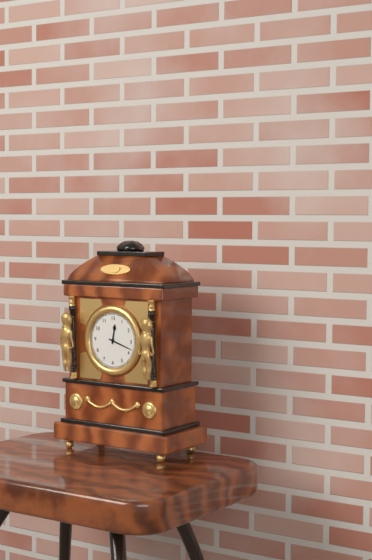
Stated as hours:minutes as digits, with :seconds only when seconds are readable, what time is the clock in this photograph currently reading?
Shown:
12:18
